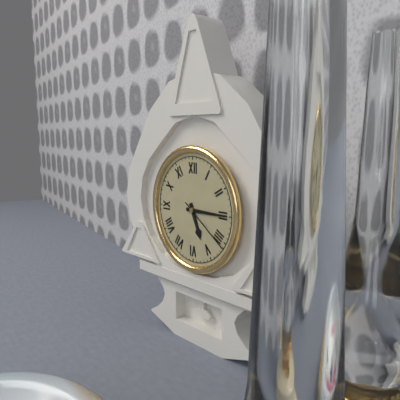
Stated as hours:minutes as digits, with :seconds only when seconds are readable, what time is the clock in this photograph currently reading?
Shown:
5:15:21
